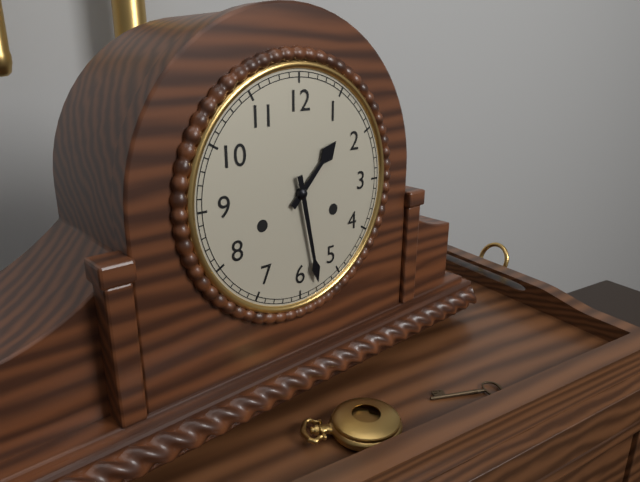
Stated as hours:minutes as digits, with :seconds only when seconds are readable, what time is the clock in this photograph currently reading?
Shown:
1:28
